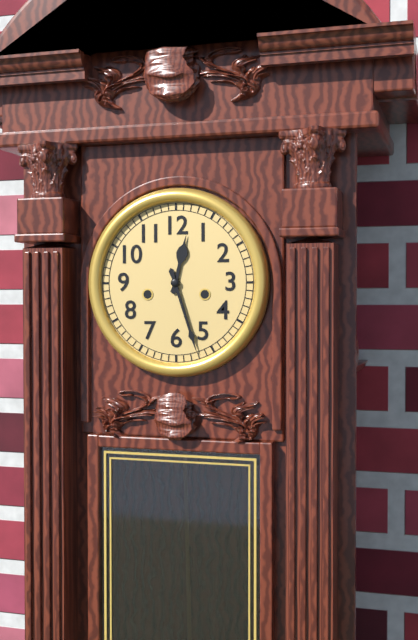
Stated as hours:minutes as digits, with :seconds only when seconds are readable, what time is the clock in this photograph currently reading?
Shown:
12:27
